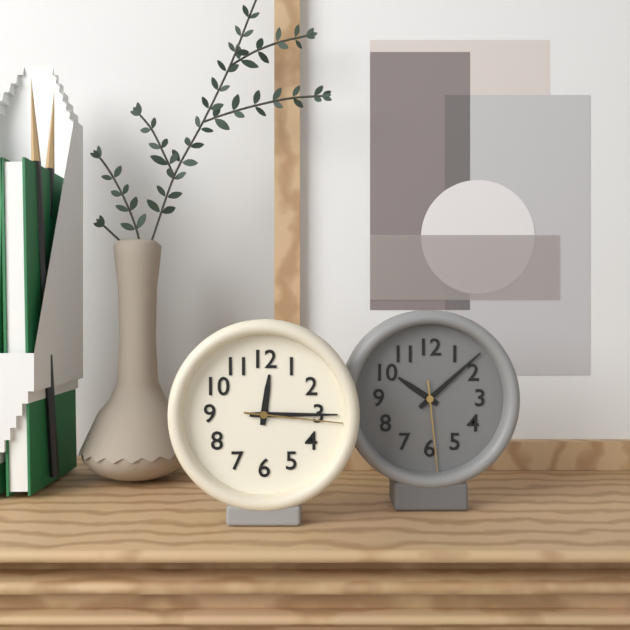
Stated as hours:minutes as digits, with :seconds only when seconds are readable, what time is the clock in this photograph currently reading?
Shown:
12:15:16
